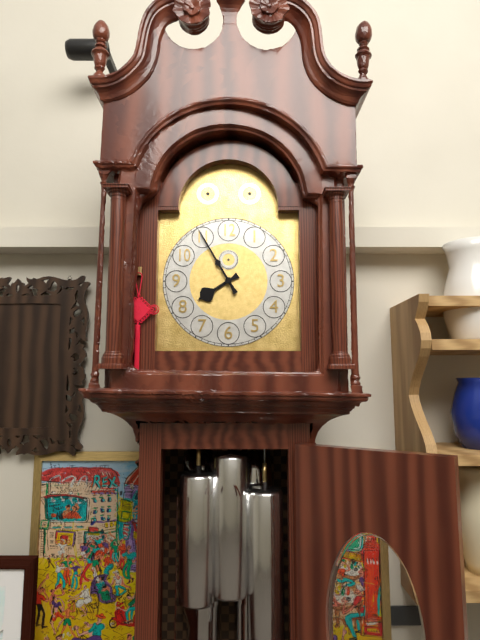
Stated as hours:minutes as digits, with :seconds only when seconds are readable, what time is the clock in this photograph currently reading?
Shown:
7:55
